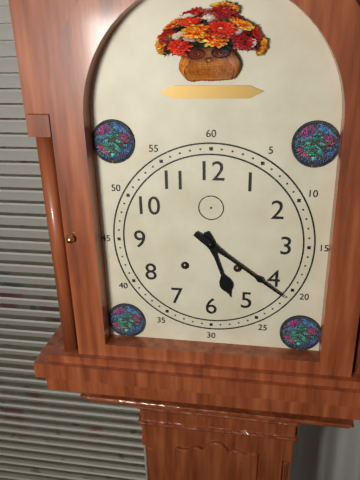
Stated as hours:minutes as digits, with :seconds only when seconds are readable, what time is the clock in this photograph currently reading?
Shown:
5:21
